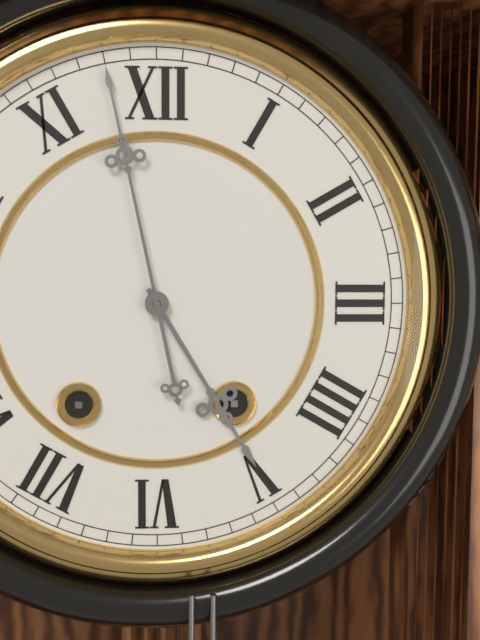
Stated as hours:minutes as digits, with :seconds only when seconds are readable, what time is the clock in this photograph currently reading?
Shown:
4:58
